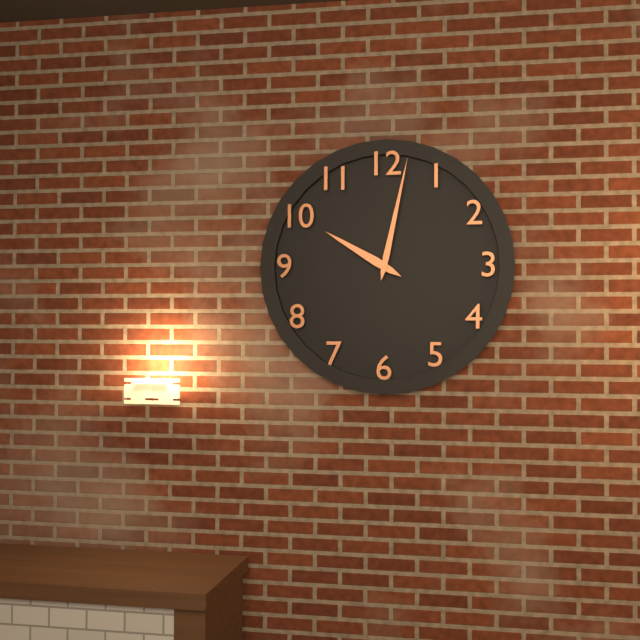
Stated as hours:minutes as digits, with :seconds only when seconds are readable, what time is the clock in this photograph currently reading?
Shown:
10:02
